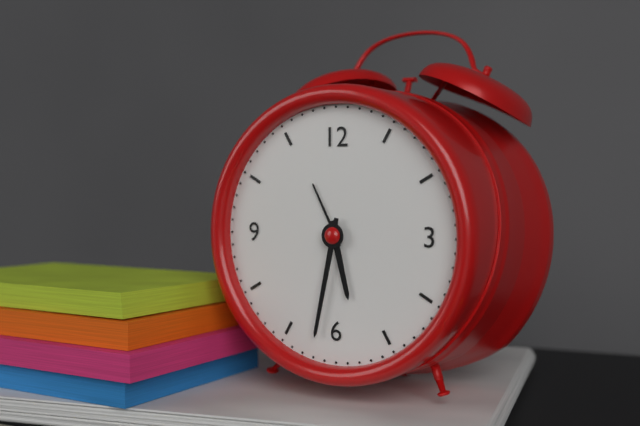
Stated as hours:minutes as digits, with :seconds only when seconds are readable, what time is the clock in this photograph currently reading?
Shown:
5:32
